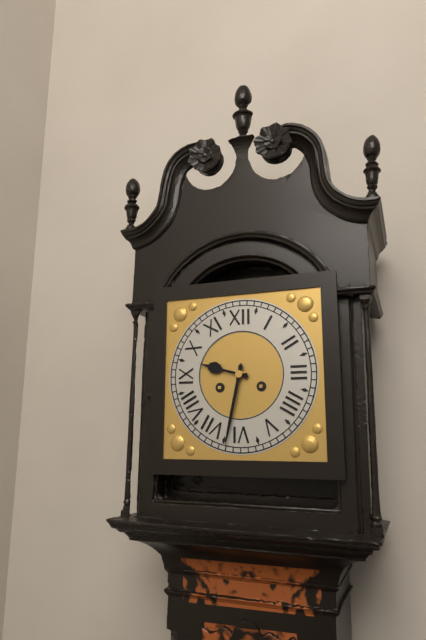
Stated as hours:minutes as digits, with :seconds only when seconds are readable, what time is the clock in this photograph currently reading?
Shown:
9:32
